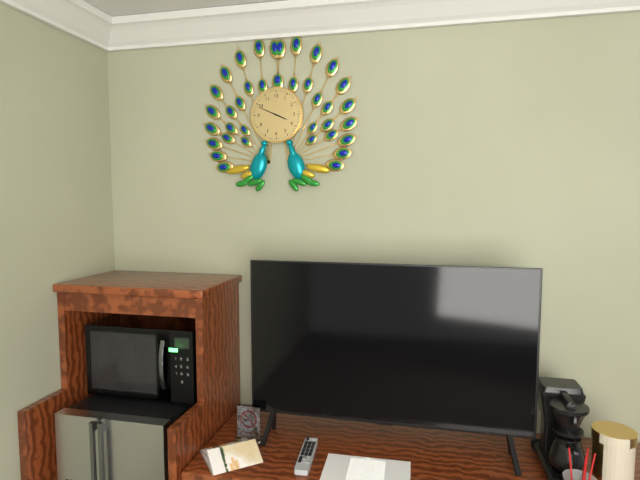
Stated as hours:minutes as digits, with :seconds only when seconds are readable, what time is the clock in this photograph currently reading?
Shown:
3:49
